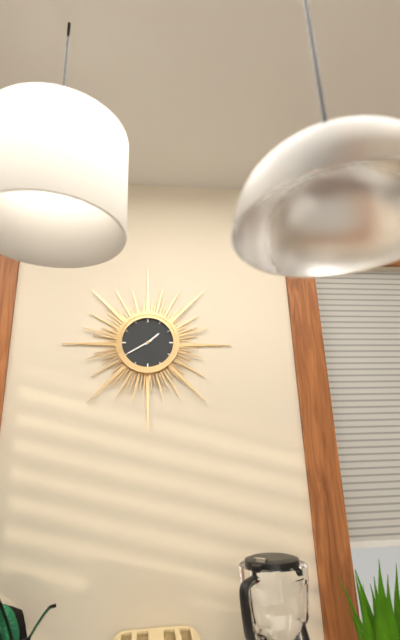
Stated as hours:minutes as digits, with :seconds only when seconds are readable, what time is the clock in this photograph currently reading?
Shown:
1:40
